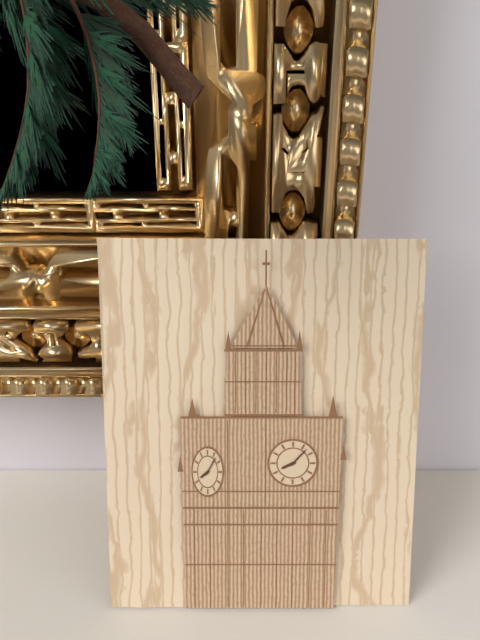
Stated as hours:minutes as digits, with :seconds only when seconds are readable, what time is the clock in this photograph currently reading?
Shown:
8:07
